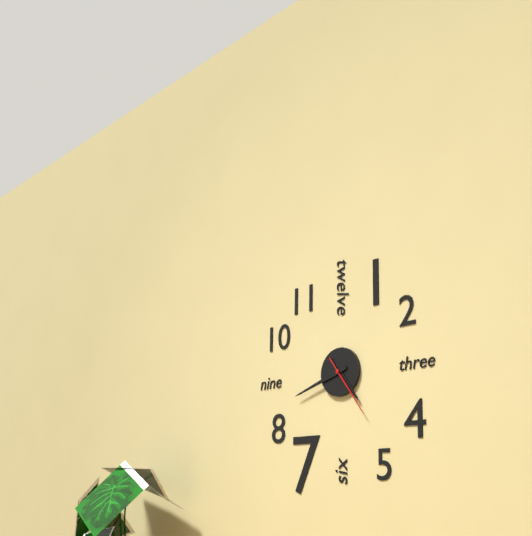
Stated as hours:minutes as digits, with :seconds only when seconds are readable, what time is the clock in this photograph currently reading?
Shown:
4:42:24
